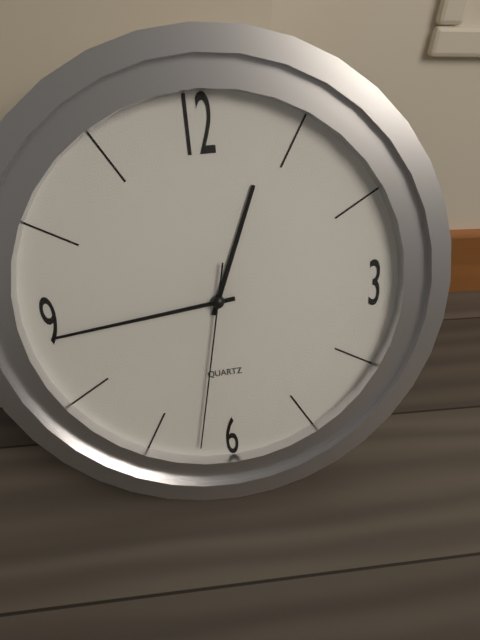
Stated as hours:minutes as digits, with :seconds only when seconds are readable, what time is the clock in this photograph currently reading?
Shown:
12:44:32
